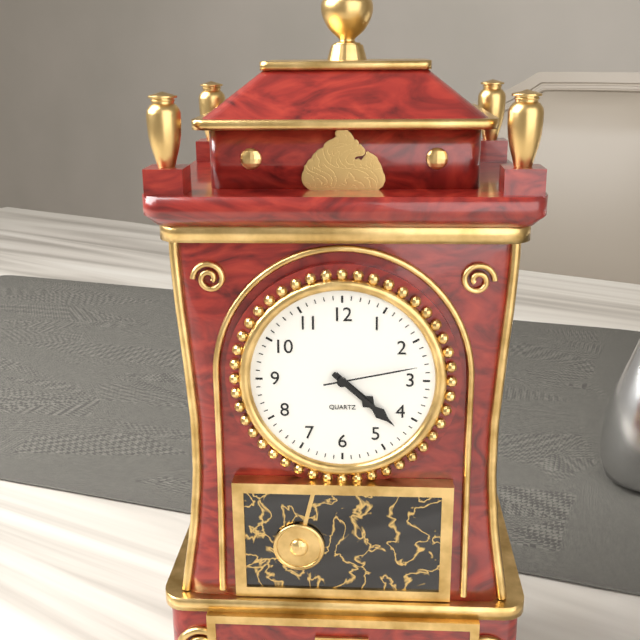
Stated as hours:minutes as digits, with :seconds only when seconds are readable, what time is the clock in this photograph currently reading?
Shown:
4:22:13
